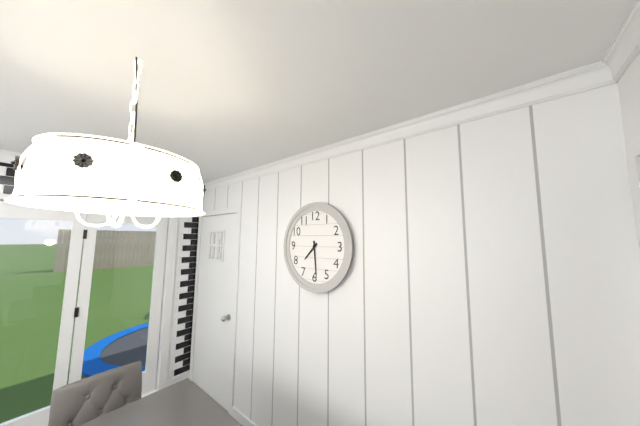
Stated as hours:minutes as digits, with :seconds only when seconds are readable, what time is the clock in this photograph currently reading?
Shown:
7:29
